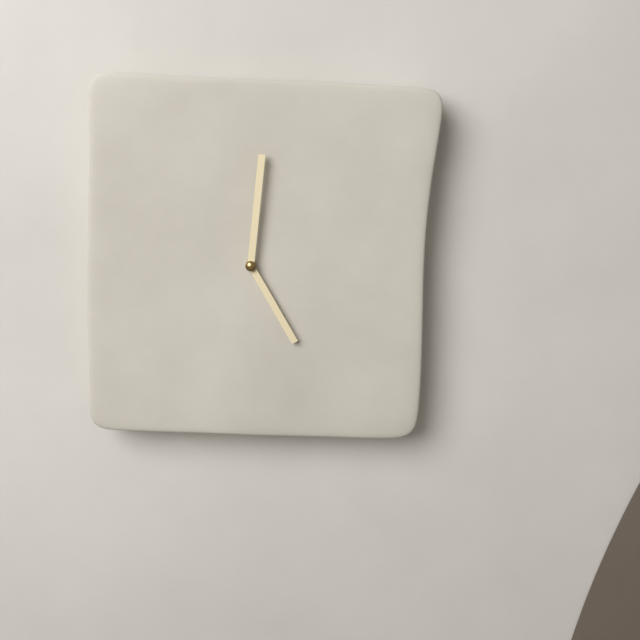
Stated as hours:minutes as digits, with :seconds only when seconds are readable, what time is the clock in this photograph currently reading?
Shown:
5:01
